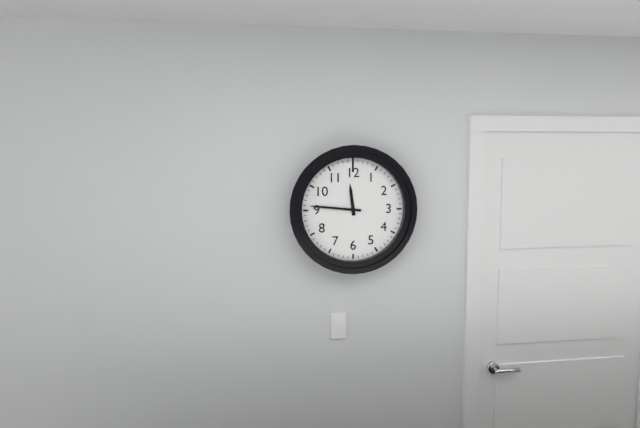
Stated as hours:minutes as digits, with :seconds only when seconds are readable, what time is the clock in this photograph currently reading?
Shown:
11:46
